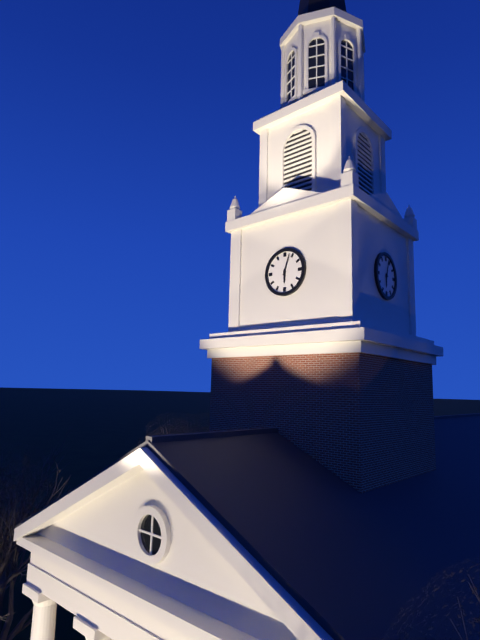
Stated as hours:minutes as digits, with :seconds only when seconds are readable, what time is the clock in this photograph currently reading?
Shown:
6:03
